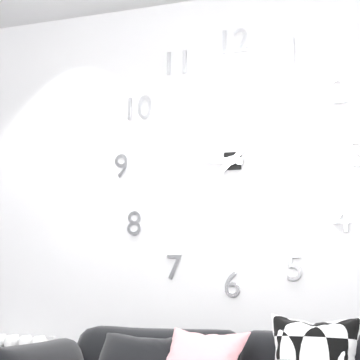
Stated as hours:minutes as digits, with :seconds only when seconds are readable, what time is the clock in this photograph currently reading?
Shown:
9:08
